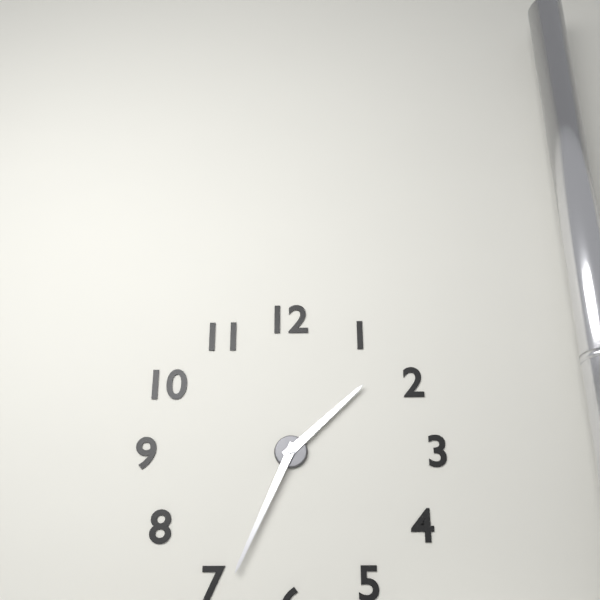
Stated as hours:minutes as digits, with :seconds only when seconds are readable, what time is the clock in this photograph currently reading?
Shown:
1:34
